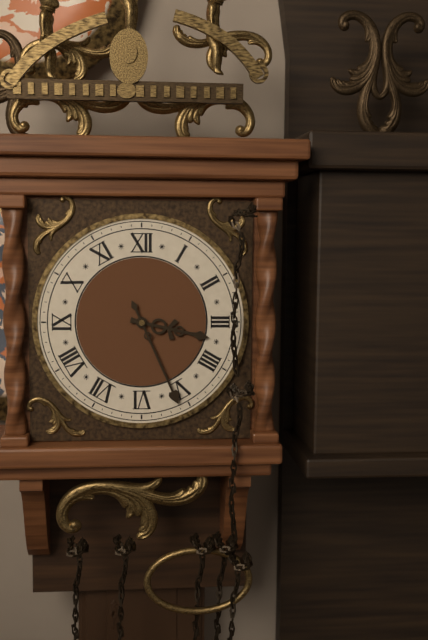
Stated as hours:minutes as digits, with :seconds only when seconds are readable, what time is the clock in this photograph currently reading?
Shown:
3:26
